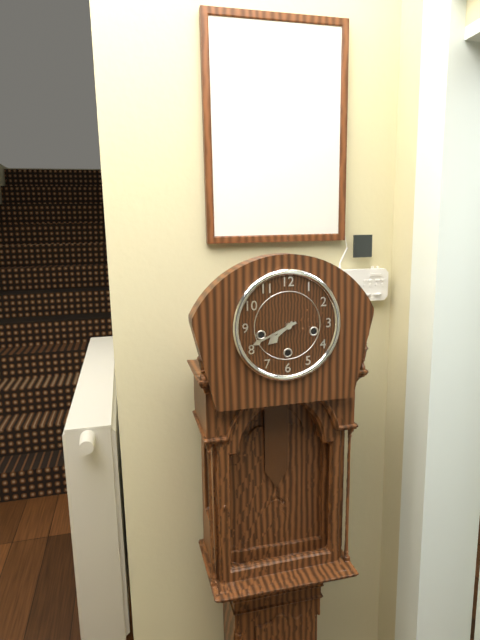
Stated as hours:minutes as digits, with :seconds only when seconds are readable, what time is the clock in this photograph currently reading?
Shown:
7:41
